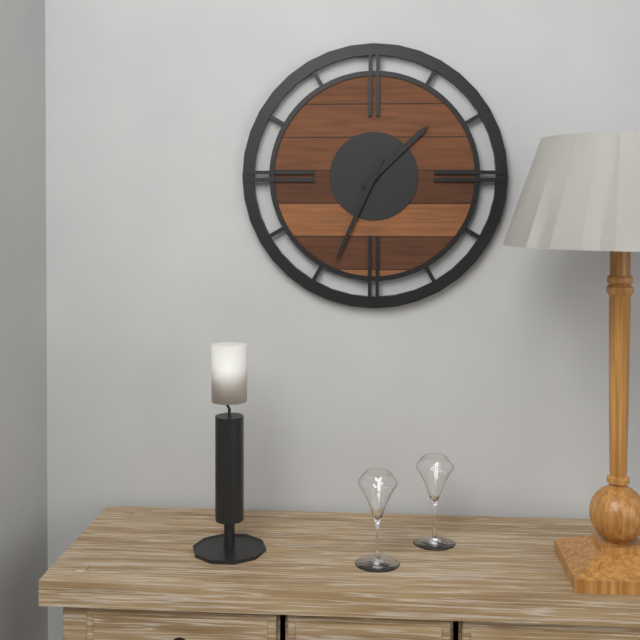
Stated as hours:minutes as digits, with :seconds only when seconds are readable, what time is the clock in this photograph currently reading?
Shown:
1:34
